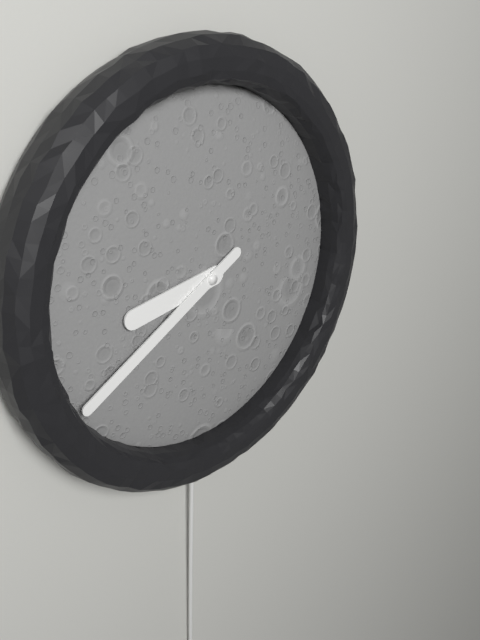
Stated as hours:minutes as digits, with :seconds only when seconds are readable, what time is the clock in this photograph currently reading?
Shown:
8:40
